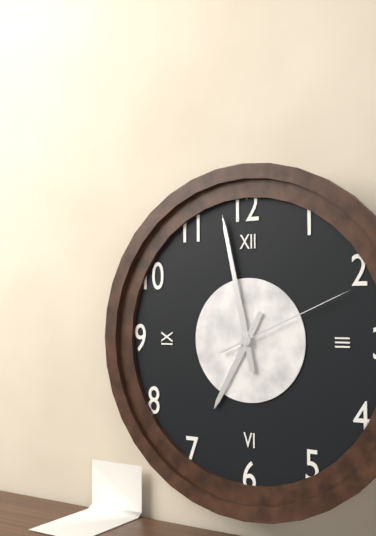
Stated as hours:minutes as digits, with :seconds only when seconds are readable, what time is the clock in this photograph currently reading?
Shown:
6:58:11
